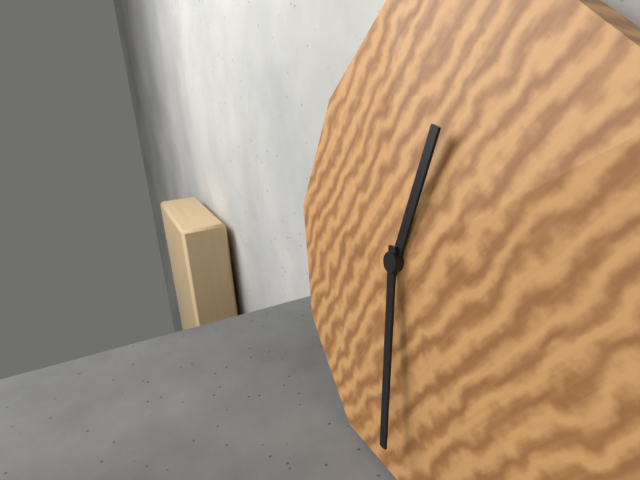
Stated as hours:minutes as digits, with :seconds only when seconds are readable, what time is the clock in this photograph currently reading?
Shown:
12:29
